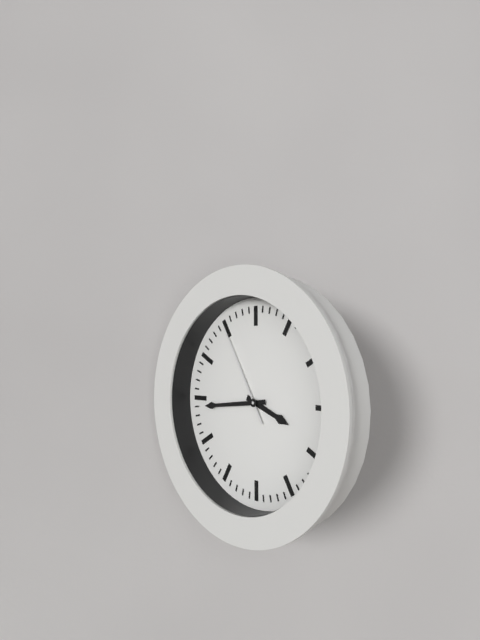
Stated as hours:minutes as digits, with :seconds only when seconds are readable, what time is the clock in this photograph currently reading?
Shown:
3:44:55
